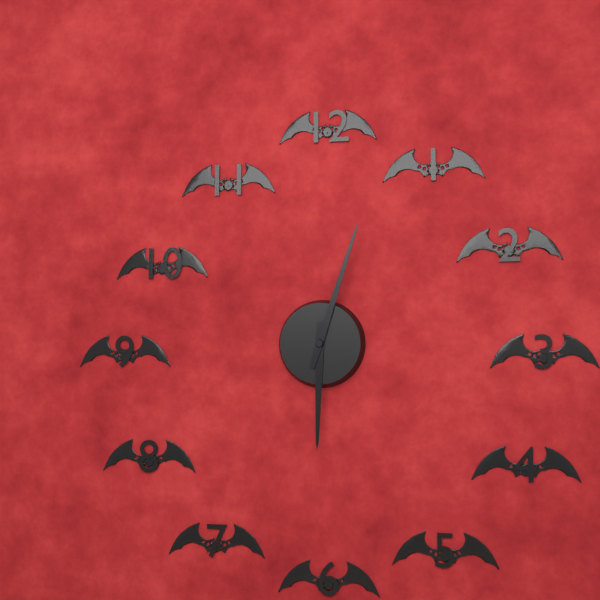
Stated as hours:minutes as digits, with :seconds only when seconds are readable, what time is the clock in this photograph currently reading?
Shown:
6:03
